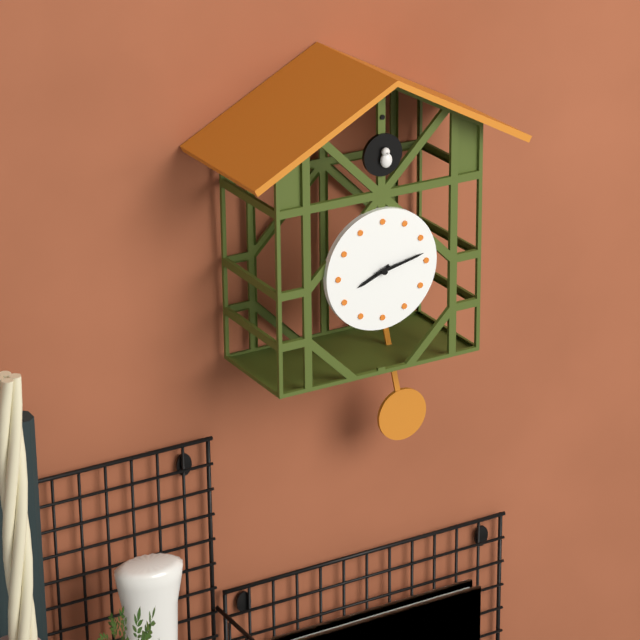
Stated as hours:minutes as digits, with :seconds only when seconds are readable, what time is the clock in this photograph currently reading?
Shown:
8:13
